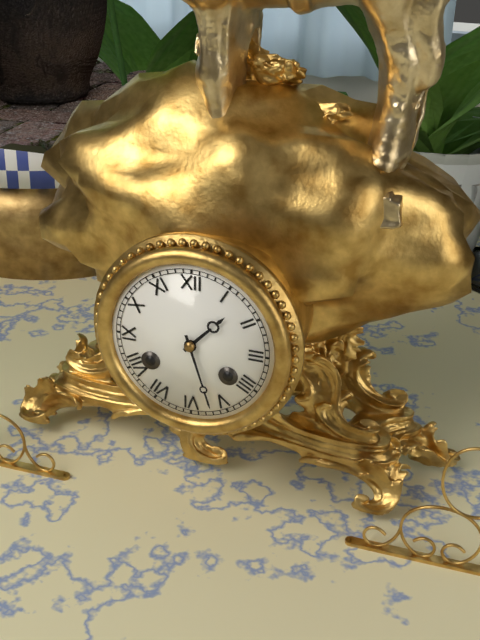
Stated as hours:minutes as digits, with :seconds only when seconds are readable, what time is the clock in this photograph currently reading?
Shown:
1:27
